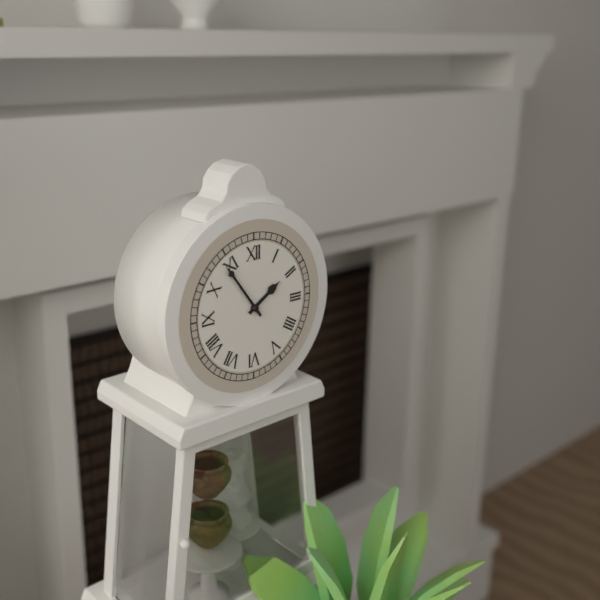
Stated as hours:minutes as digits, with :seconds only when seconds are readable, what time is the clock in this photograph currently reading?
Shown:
1:54
